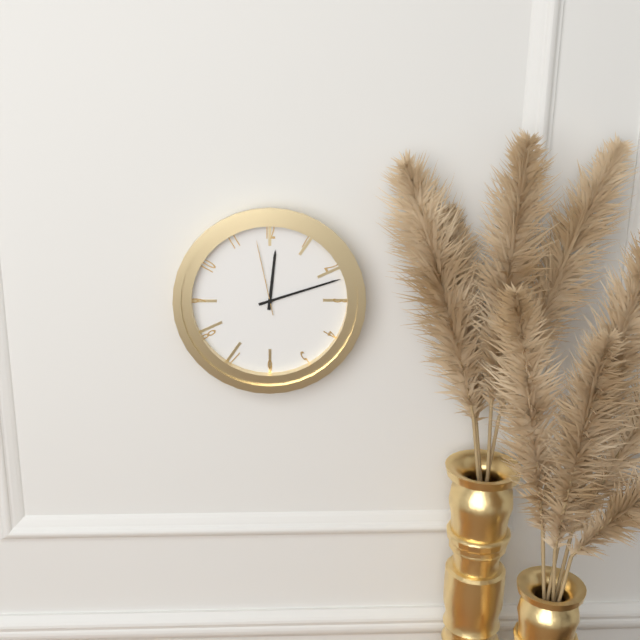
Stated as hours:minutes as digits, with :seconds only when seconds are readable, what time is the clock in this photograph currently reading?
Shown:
12:12:58
